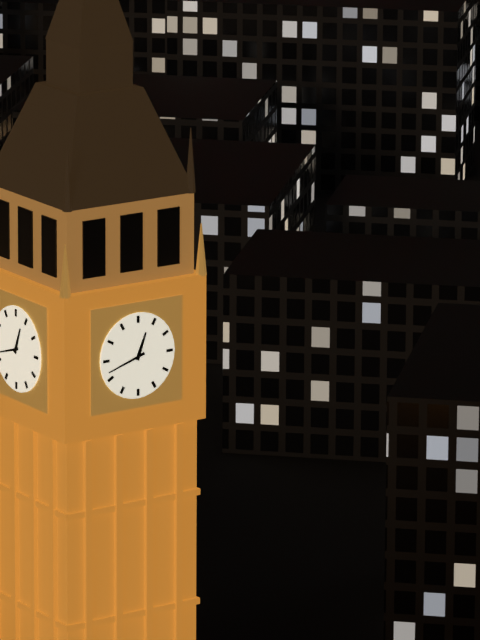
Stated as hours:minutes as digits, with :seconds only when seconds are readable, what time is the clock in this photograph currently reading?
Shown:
12:42
